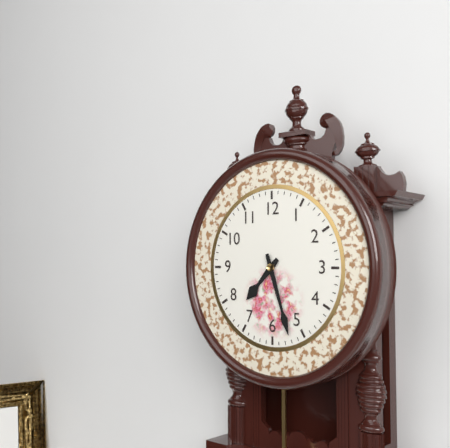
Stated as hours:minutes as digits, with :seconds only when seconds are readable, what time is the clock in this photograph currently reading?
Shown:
7:27
